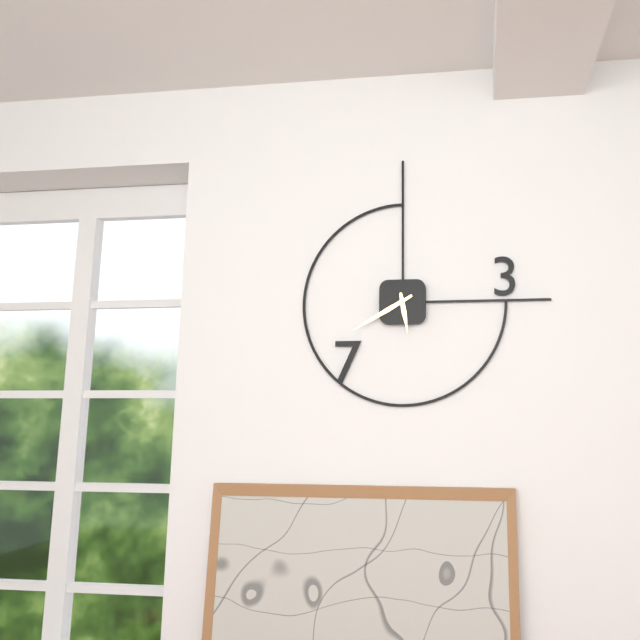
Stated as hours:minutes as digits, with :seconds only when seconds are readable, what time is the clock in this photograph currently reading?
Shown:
5:40
